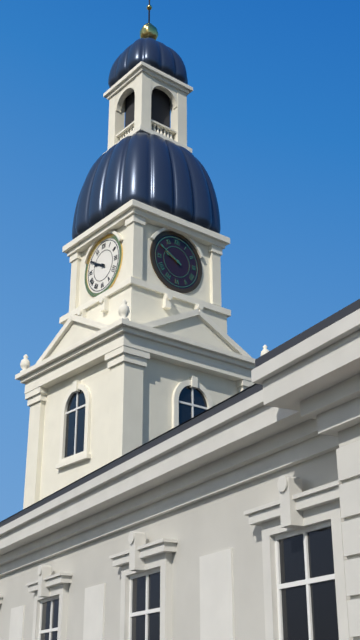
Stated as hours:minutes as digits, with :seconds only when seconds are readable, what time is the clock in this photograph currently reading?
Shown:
9:50
